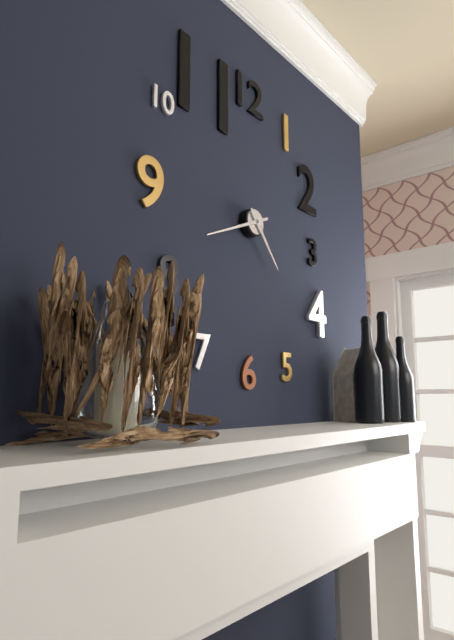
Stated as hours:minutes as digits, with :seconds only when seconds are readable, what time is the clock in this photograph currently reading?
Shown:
4:41
